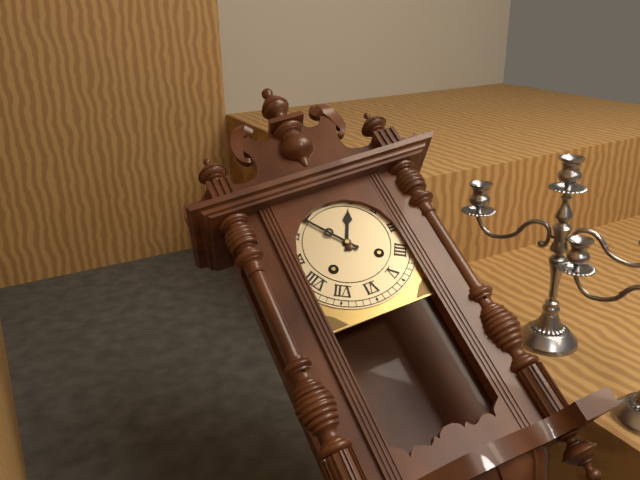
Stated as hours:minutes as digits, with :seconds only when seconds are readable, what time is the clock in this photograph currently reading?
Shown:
12:54
